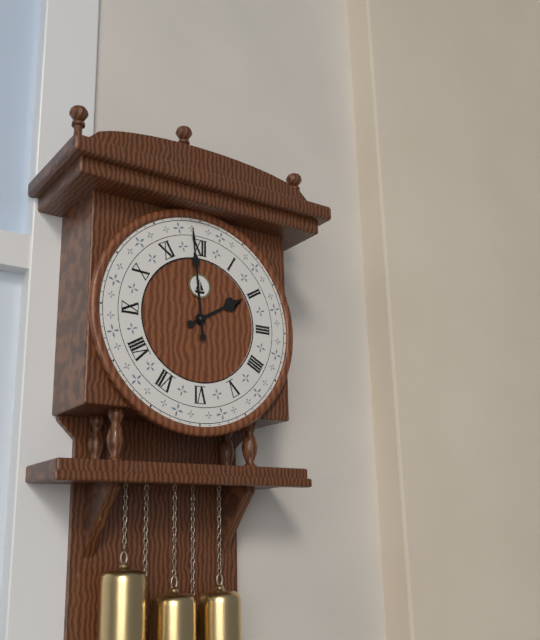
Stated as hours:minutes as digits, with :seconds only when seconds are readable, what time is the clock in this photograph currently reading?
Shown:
1:59
